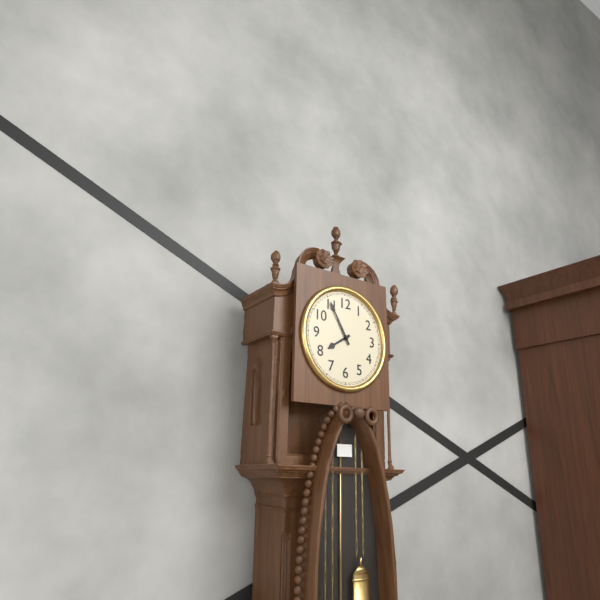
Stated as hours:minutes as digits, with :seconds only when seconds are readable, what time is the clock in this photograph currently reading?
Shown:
7:55
